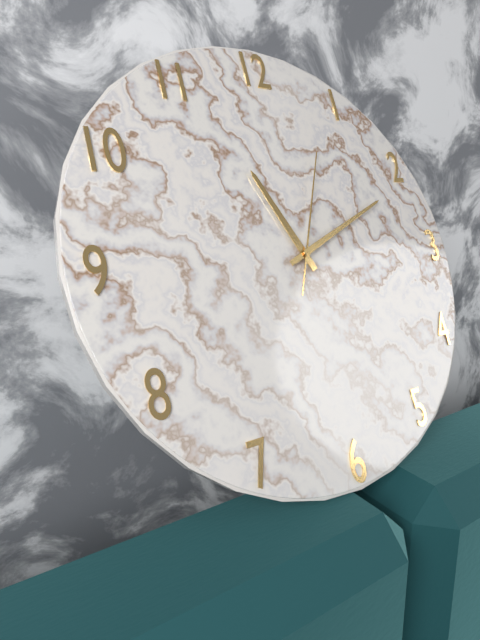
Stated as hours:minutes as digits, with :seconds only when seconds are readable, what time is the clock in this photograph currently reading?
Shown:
11:11:04
